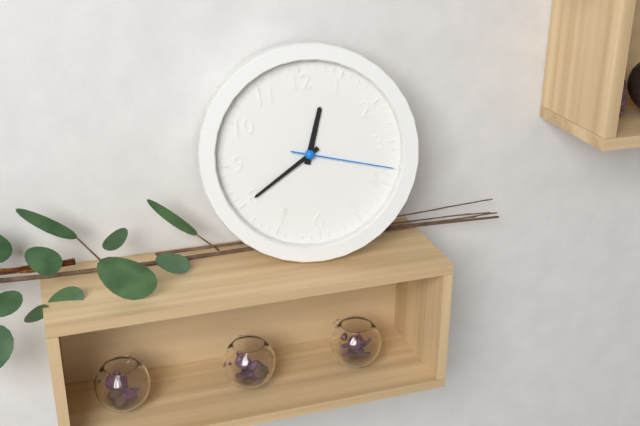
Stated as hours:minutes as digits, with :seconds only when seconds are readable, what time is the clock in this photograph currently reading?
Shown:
12:40:18
